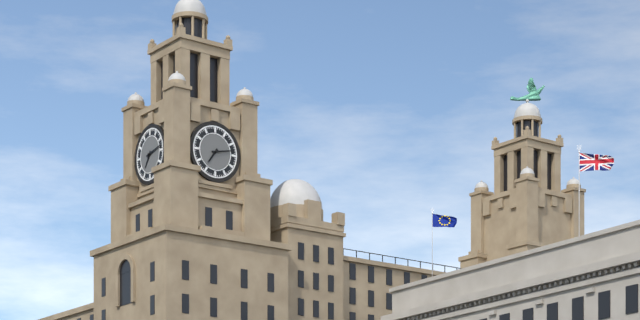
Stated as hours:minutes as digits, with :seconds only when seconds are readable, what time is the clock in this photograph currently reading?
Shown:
7:13
